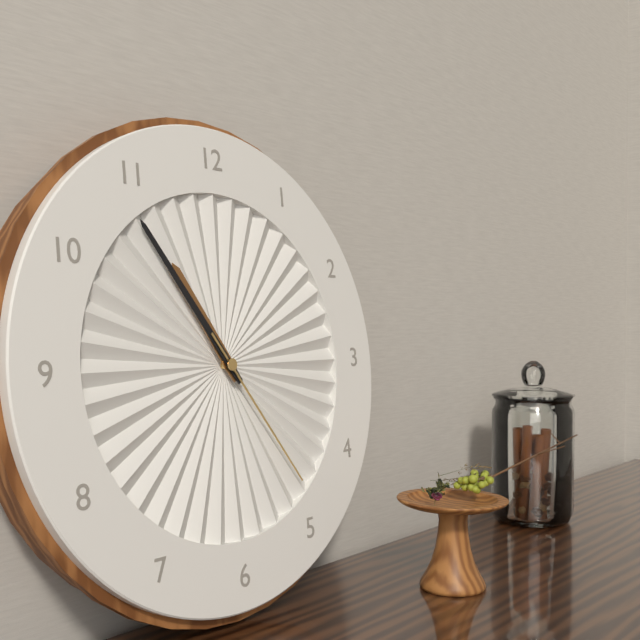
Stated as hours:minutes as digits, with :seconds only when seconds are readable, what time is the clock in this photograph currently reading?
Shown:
10:54:24
